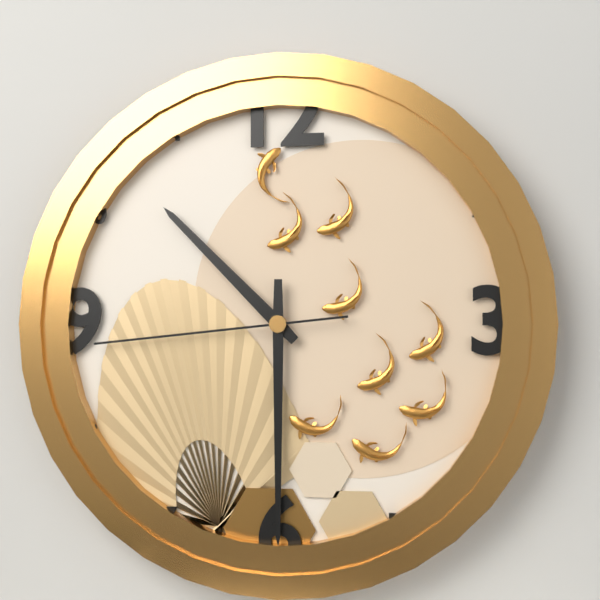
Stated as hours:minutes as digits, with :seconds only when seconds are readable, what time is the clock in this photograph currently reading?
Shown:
10:30:44
